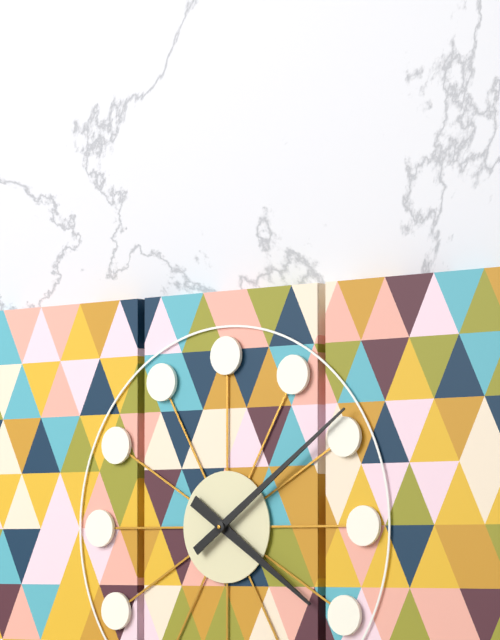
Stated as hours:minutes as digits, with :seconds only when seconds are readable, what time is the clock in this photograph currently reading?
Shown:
4:09
